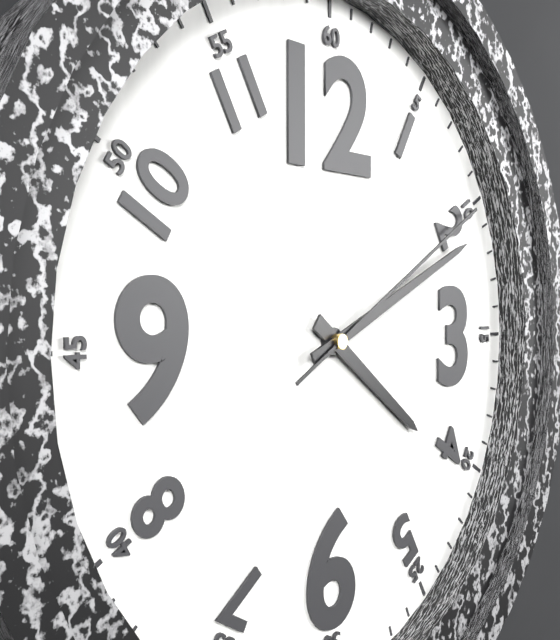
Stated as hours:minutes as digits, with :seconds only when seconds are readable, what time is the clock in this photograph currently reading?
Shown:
4:11:10
